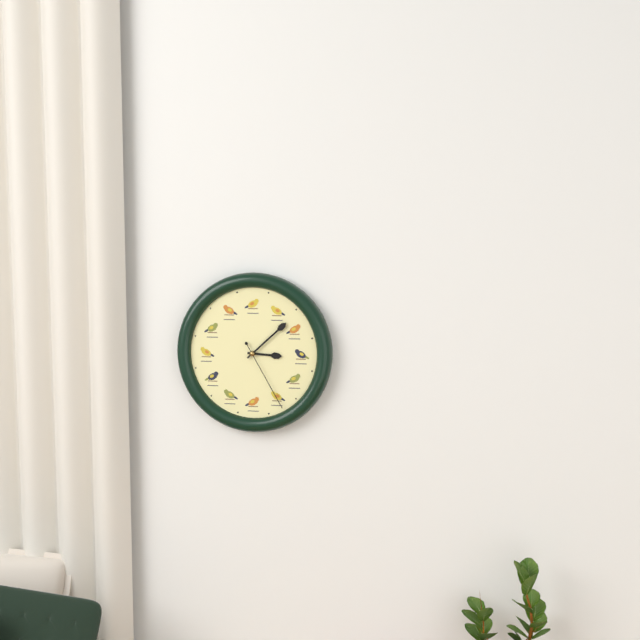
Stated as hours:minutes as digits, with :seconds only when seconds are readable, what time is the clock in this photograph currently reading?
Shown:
3:08:25
